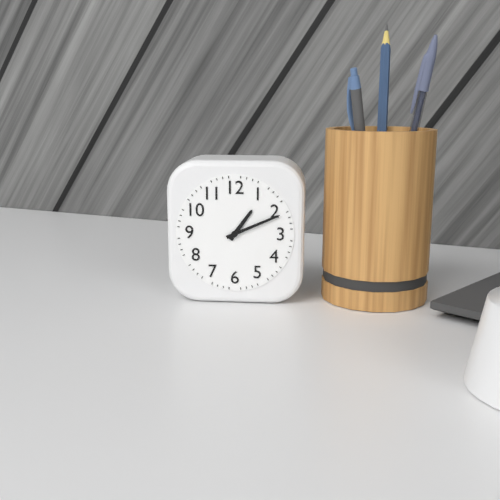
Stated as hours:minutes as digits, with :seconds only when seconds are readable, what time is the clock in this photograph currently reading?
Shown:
1:11
